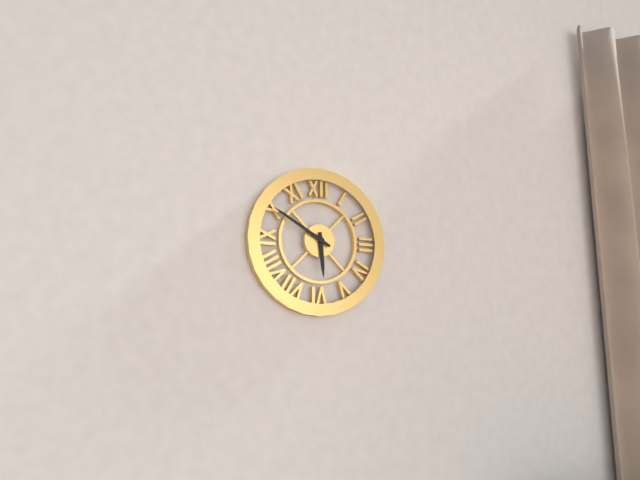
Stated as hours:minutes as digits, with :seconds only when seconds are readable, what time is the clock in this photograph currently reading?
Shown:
5:50
